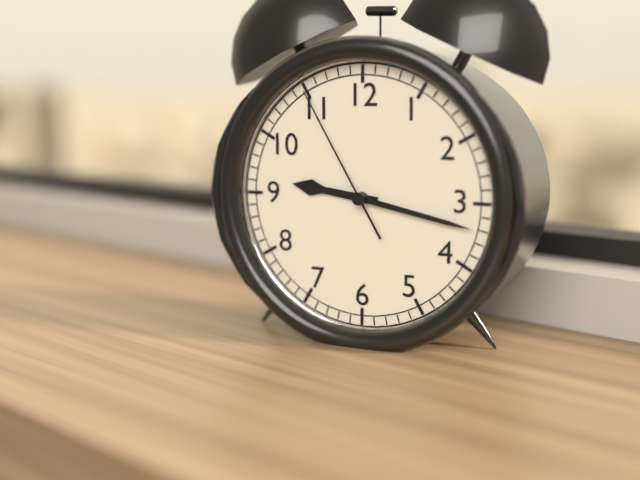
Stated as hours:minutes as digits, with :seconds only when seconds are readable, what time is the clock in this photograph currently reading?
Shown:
9:17:55
